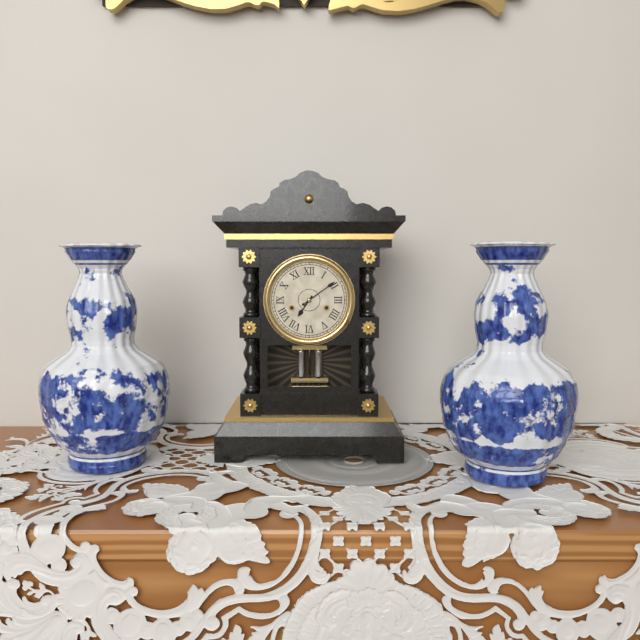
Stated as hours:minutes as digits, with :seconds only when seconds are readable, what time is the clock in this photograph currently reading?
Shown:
7:09
